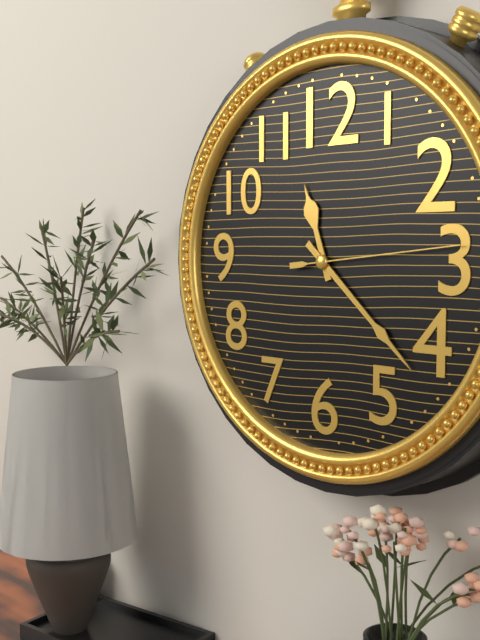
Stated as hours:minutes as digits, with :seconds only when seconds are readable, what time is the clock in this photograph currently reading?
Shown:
11:22:14
